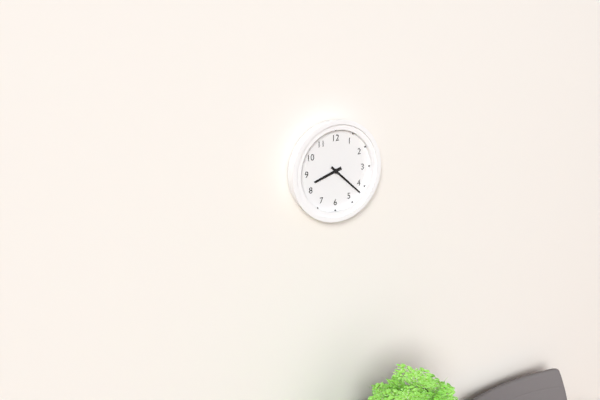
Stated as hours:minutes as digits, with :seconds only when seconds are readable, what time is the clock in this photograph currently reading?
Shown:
8:22
